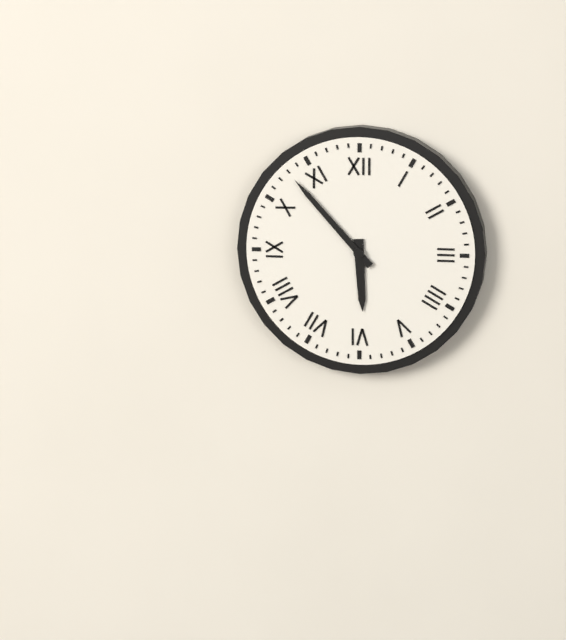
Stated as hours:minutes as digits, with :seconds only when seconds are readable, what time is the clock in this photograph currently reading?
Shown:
5:53
